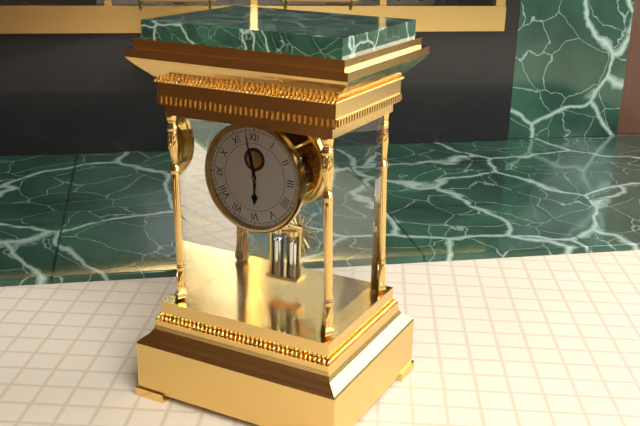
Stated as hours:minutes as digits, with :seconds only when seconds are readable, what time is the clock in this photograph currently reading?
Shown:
5:58
